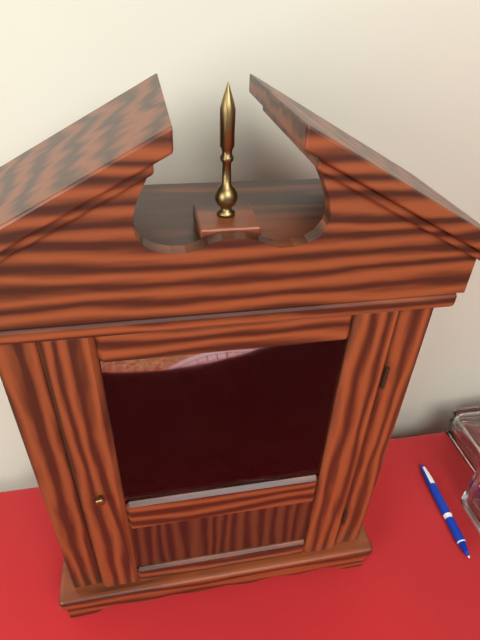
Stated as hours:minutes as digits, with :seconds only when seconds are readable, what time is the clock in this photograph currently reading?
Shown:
12:46
